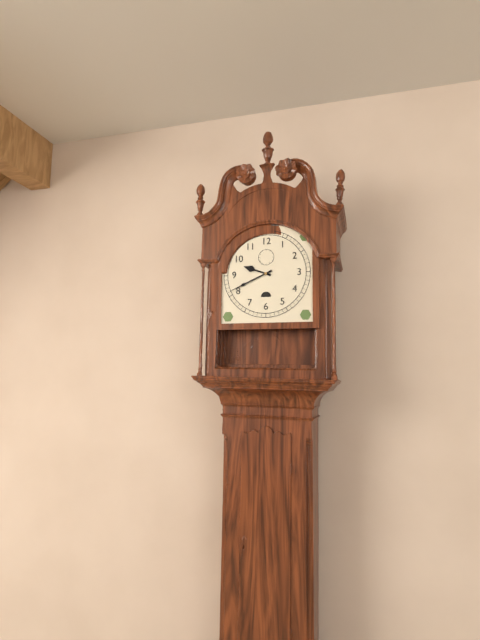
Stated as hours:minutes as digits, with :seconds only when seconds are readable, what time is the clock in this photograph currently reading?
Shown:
9:41
